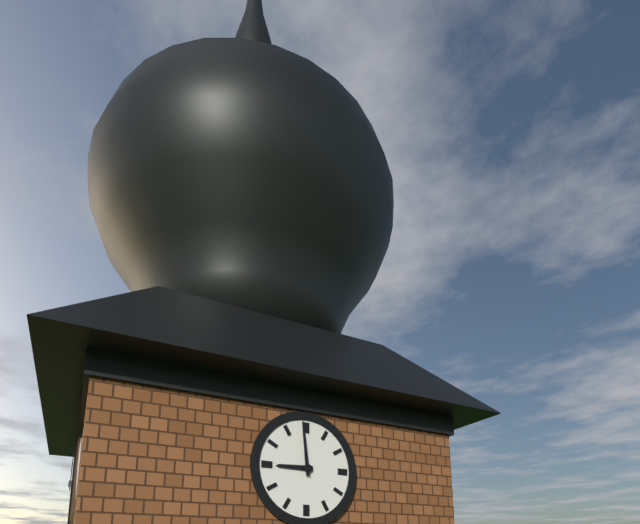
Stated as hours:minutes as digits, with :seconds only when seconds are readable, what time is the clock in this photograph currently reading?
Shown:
8:59
